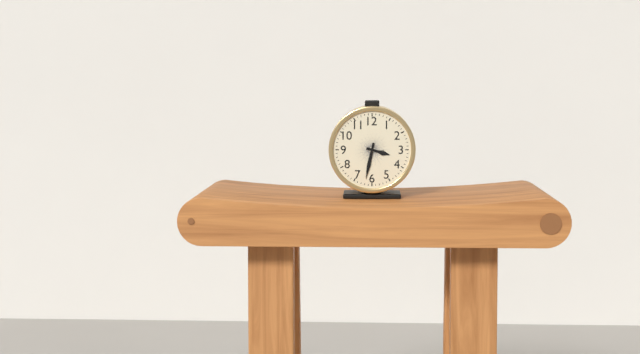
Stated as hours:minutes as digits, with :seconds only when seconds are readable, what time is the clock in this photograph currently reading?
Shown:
3:32
